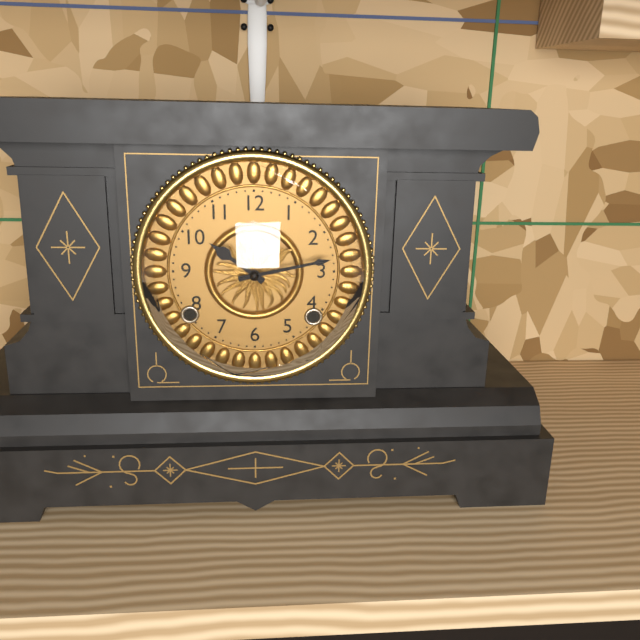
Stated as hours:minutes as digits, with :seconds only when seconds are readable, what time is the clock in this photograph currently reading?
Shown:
10:13
